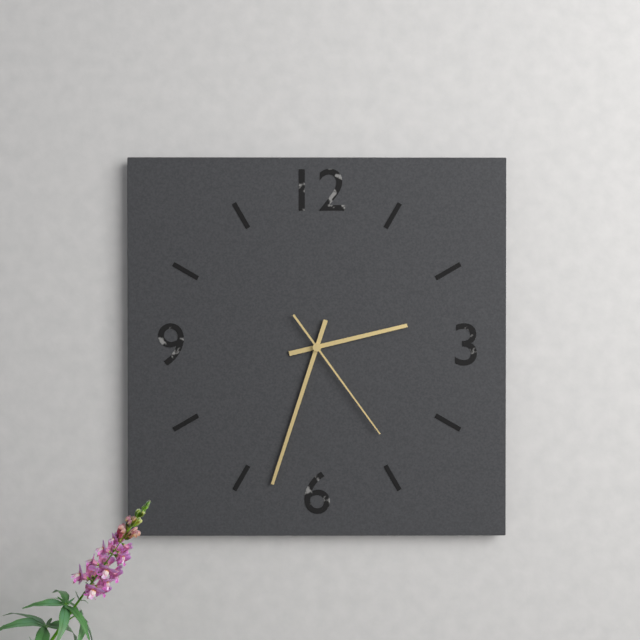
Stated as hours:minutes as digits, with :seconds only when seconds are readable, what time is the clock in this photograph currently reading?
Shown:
2:33:24
